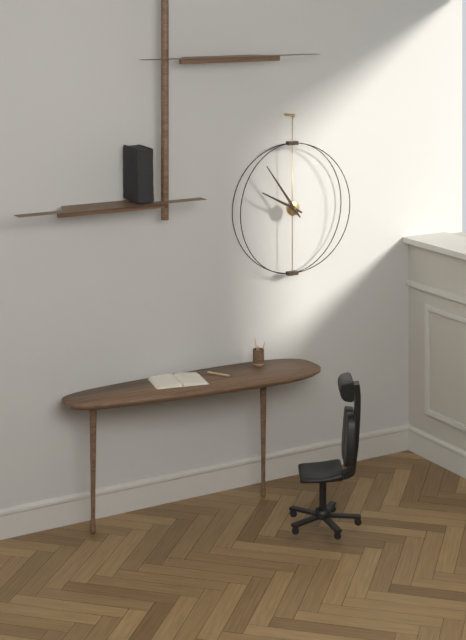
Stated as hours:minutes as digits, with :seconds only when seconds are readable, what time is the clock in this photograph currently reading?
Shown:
9:54
